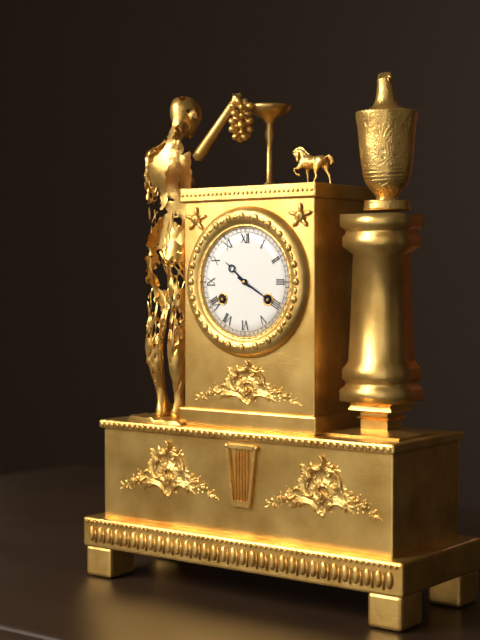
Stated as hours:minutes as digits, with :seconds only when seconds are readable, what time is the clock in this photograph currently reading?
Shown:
10:20
